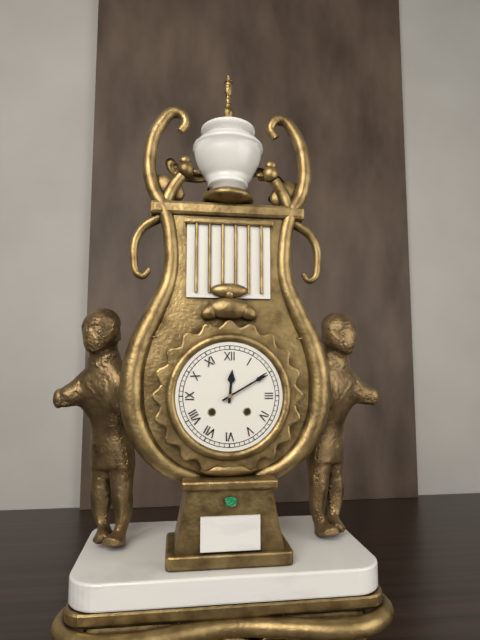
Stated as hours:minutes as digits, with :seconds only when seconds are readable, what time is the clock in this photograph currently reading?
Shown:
12:10
